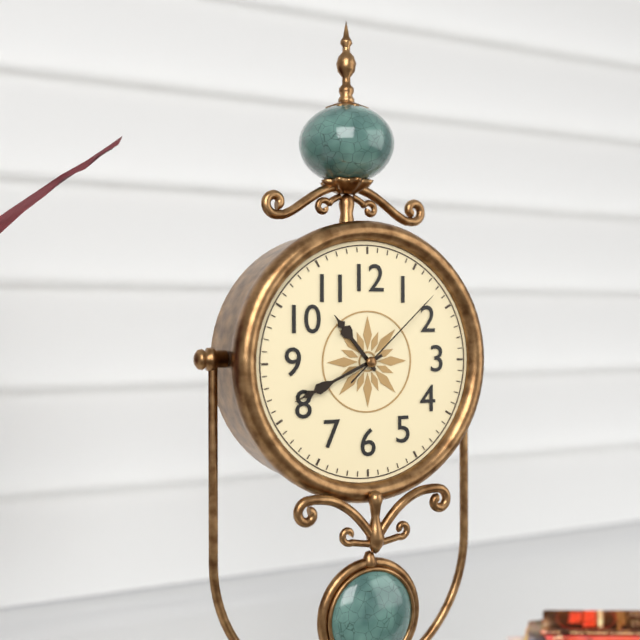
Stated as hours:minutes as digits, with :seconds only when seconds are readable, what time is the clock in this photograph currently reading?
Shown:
10:41:08
